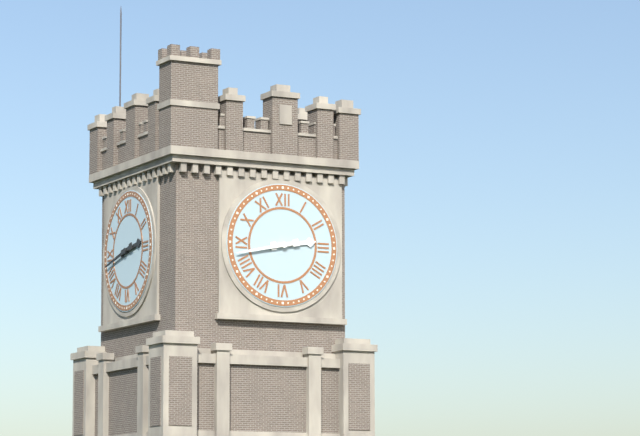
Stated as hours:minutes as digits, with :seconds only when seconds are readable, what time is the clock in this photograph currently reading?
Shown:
2:43
